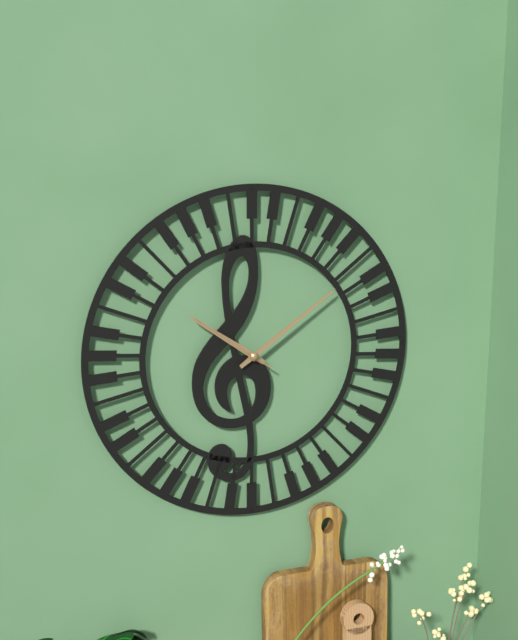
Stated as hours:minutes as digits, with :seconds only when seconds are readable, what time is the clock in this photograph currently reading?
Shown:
10:09:51
